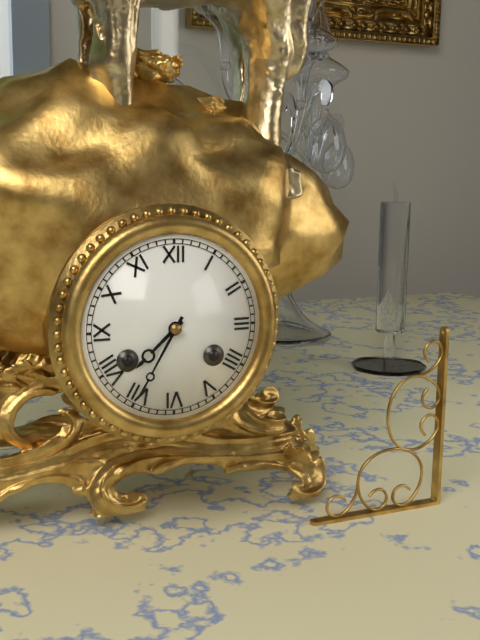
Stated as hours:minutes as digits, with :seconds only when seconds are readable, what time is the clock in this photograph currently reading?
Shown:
7:35
